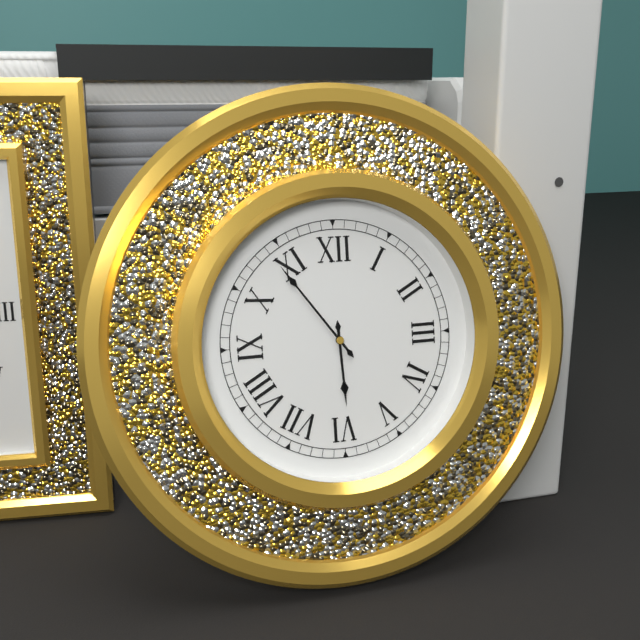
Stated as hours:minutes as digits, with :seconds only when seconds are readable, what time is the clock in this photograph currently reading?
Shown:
5:54
